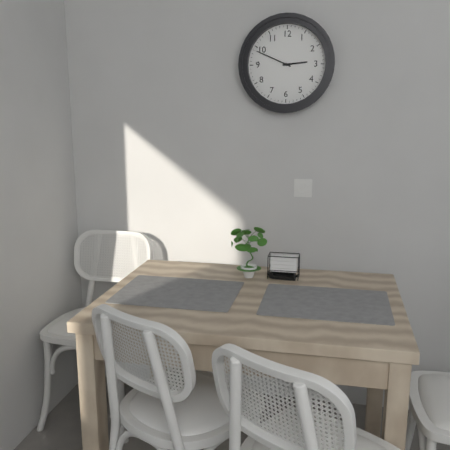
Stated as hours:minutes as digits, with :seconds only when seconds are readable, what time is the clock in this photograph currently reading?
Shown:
2:49
